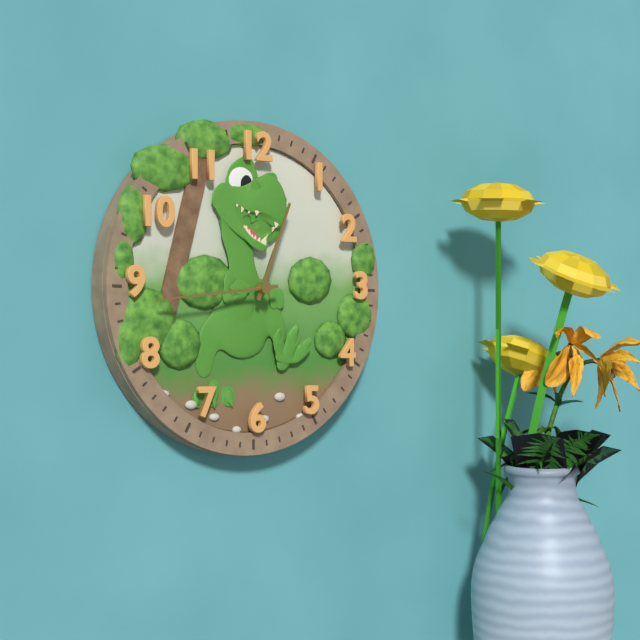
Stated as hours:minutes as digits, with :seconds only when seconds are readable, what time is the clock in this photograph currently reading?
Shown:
12:44
